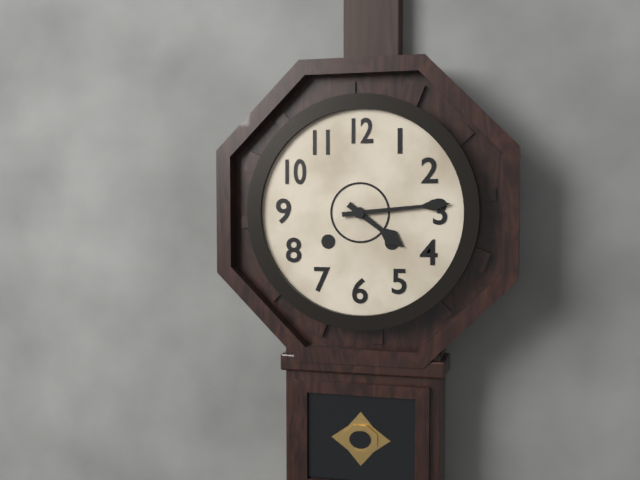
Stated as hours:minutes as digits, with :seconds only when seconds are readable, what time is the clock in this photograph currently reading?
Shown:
4:14
